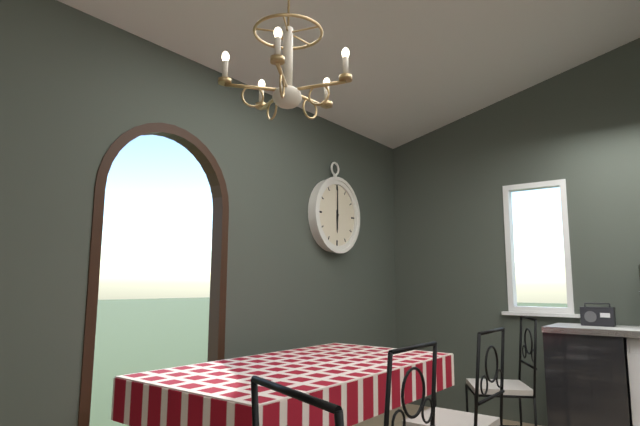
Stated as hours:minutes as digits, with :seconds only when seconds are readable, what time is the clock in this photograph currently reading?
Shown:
6:00
